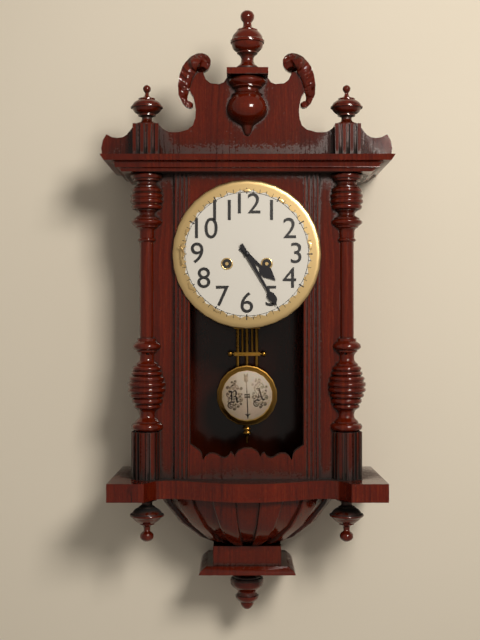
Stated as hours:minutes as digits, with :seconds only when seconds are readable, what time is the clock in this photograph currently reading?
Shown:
4:25
